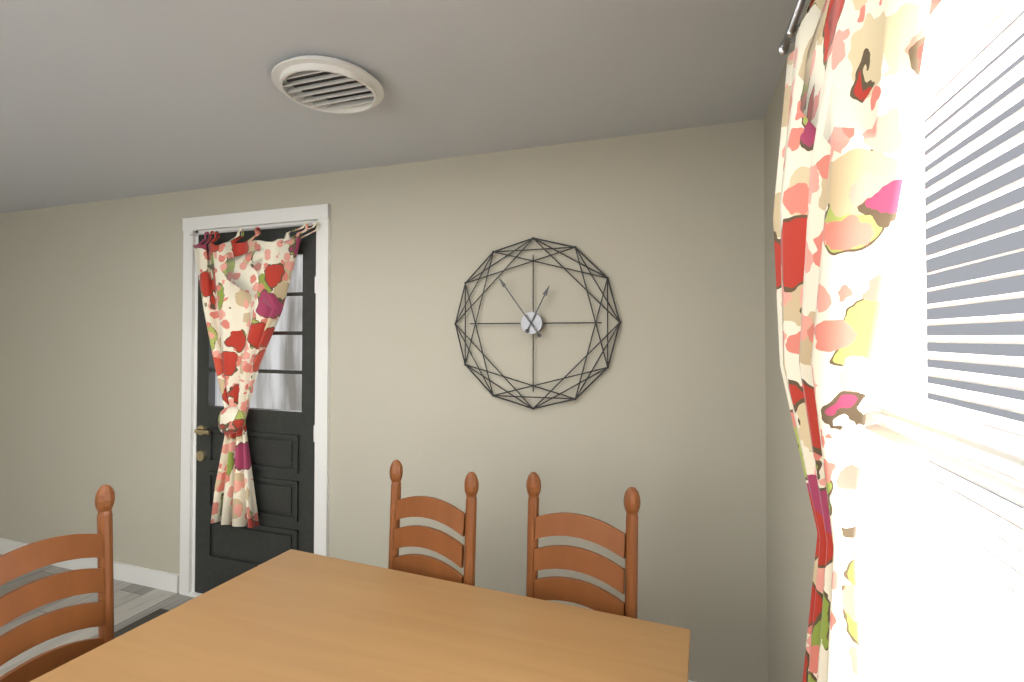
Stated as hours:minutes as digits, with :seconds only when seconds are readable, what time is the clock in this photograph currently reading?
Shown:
12:54
